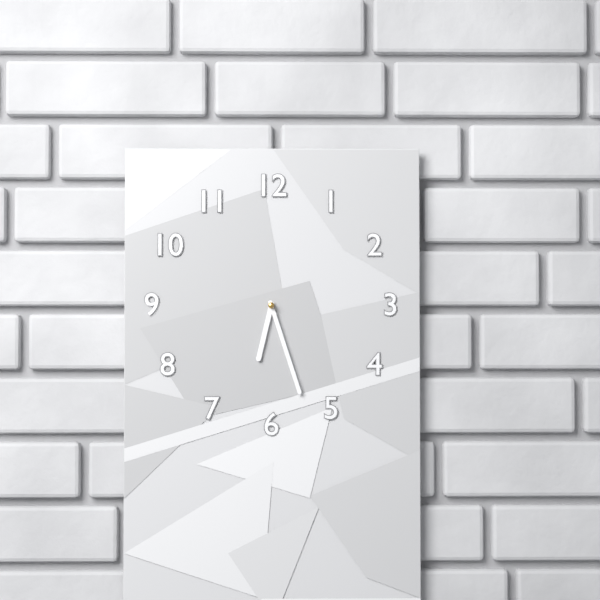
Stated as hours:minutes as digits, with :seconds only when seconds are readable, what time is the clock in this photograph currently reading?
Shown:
6:27
